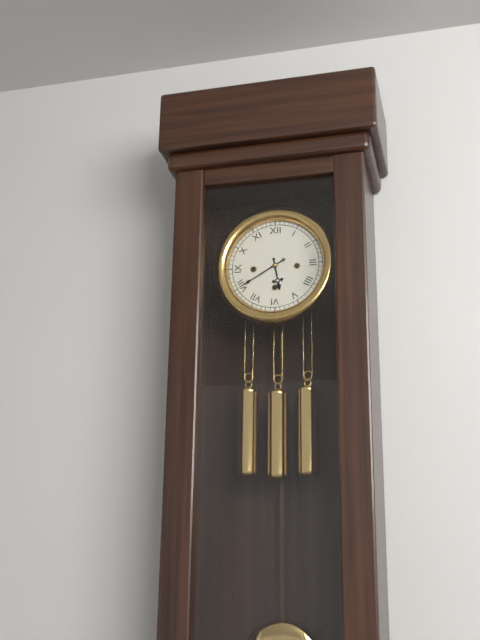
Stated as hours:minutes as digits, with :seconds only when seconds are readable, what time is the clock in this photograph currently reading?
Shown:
5:40
